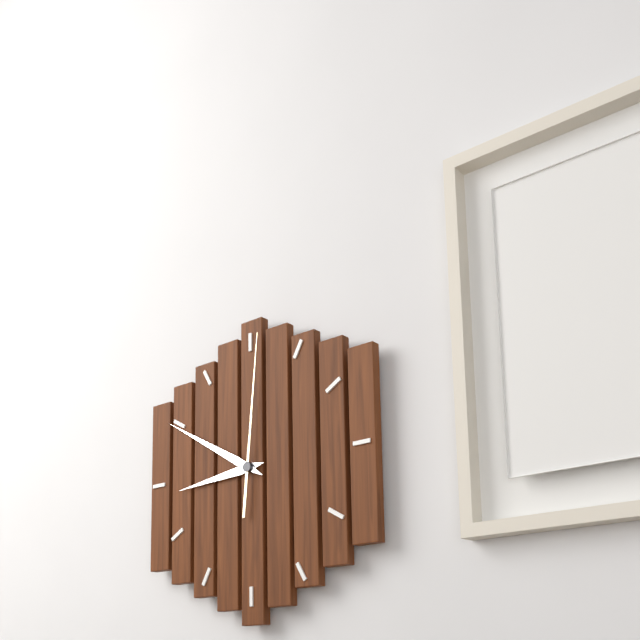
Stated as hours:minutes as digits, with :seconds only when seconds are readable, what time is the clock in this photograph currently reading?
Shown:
8:50:01
